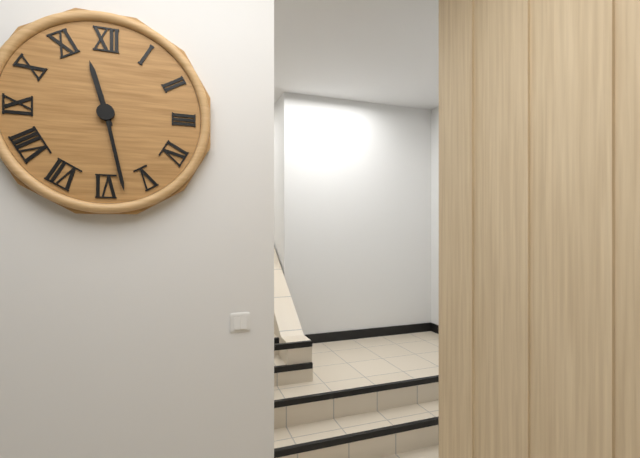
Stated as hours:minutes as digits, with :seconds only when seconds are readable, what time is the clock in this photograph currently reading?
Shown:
11:28
